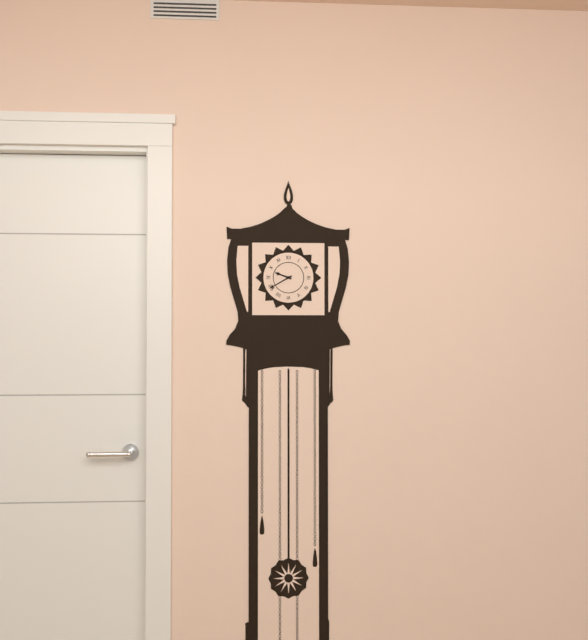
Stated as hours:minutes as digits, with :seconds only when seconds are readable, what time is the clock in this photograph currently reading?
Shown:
9:40
